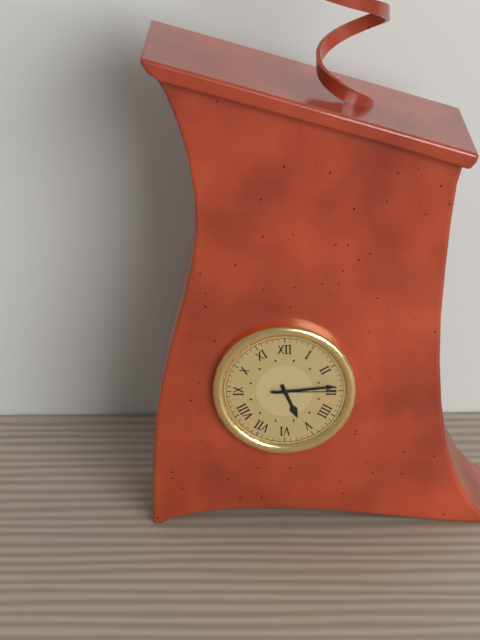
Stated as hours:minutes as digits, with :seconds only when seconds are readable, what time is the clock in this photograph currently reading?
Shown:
5:14:15
